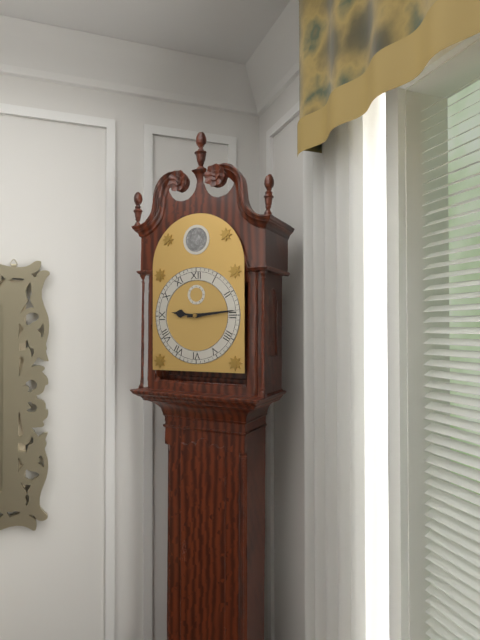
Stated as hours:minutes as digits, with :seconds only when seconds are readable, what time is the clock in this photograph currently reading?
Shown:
9:14
